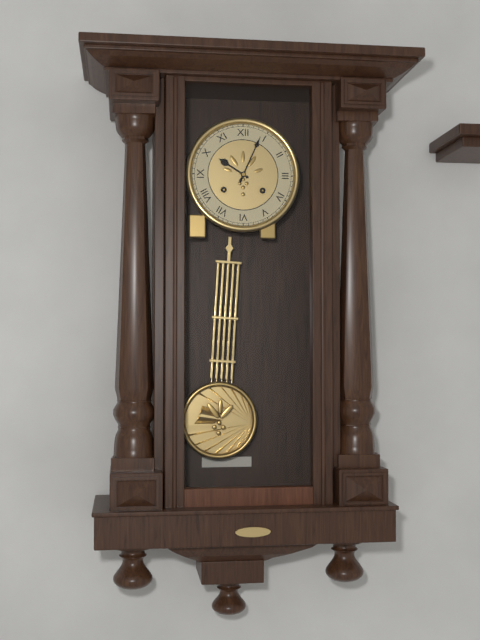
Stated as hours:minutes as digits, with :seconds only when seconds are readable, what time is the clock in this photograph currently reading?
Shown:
10:04
